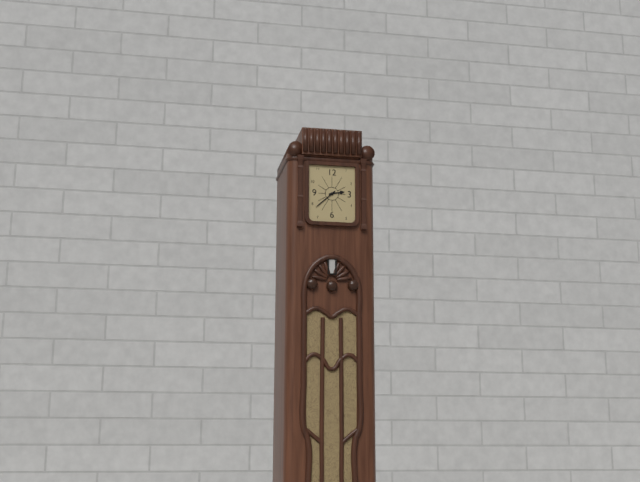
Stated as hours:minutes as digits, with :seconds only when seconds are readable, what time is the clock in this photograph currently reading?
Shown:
2:38
